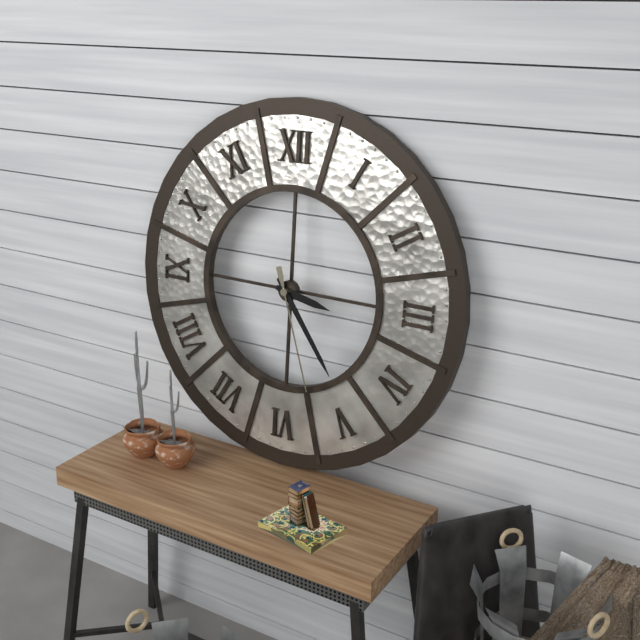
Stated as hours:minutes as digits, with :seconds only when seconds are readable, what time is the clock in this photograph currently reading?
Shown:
3:24:27
